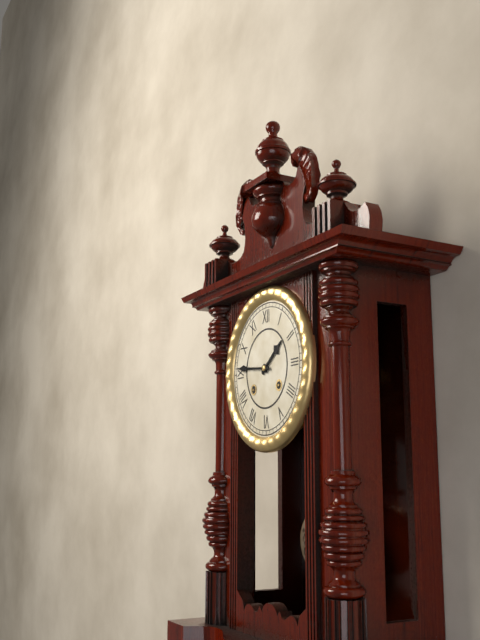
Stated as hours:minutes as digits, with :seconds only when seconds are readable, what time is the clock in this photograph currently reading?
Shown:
1:46
